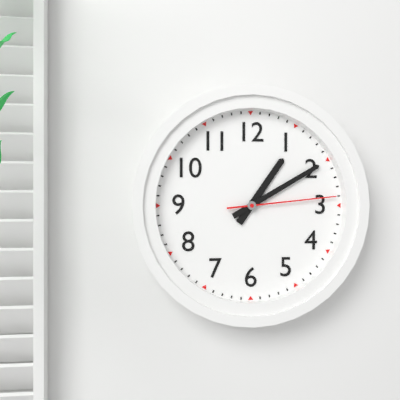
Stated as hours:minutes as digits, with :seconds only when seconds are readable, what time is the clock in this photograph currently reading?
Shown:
1:10:14
